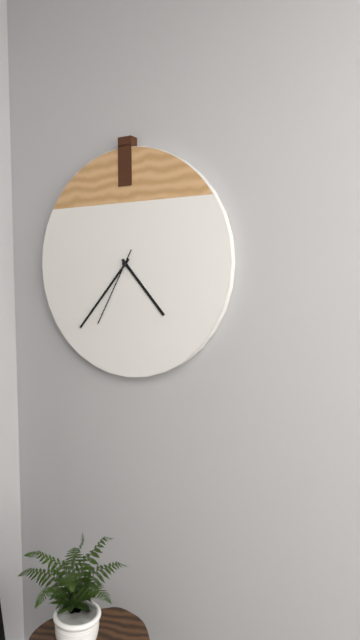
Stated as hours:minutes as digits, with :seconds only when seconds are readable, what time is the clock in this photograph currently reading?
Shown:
4:37:35
